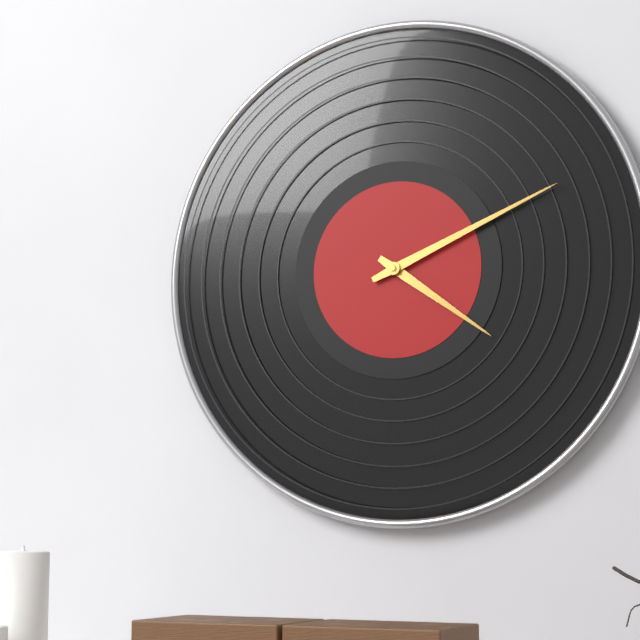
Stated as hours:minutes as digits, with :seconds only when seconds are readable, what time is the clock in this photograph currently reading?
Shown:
4:11
